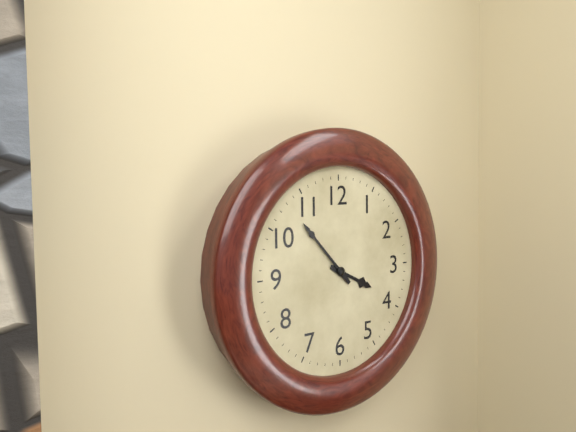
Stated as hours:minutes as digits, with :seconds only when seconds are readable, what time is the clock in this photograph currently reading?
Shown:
3:53
